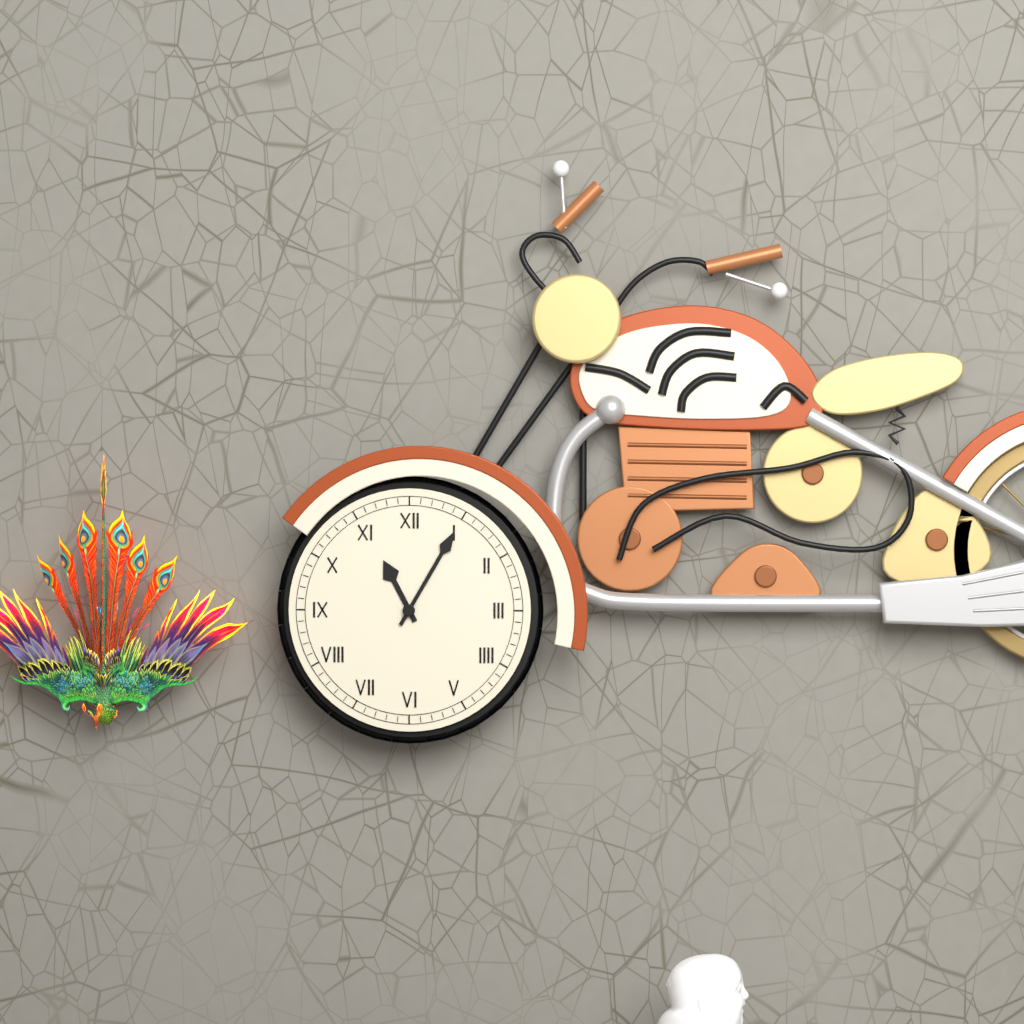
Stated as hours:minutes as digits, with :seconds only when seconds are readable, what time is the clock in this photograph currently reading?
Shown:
11:05
